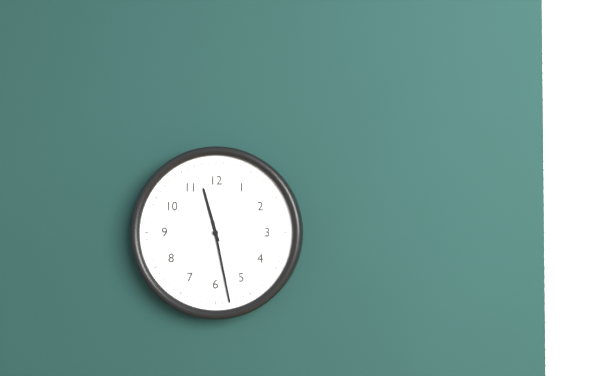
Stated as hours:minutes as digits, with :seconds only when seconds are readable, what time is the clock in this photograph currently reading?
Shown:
11:28
